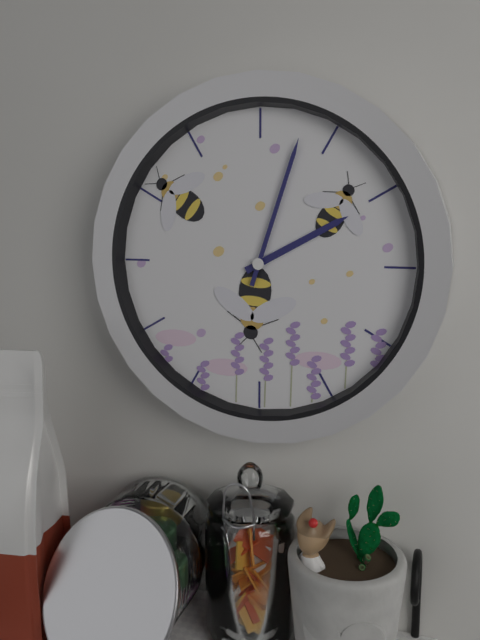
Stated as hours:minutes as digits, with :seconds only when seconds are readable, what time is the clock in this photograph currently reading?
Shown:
2:03
